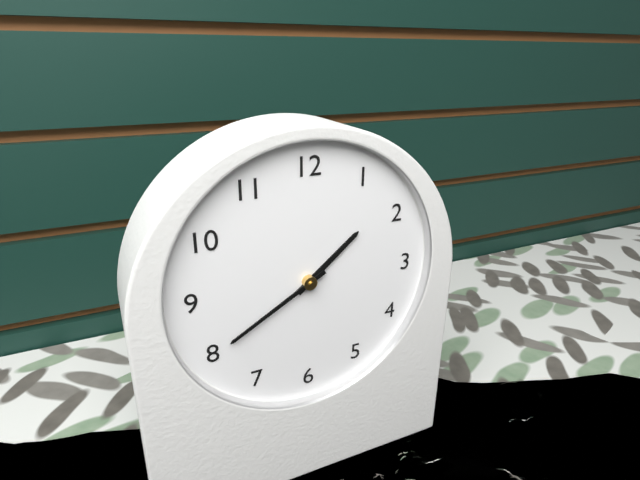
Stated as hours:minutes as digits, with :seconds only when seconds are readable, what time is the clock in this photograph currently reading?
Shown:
1:40
